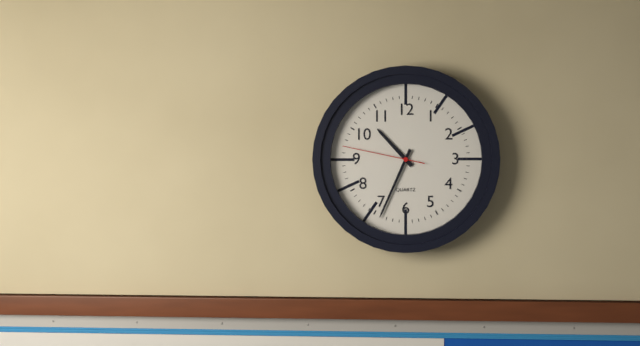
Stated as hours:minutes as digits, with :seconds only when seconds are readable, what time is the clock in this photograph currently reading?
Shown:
10:34:47
